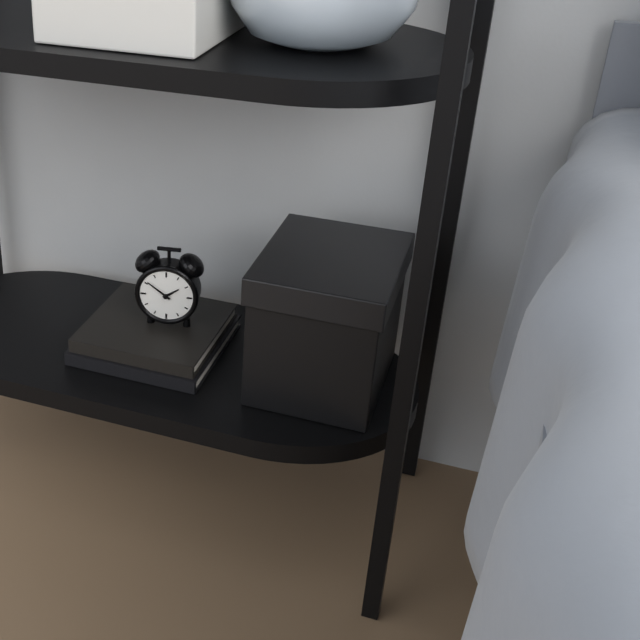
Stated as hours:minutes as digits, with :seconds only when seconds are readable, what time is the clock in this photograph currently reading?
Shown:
1:51
